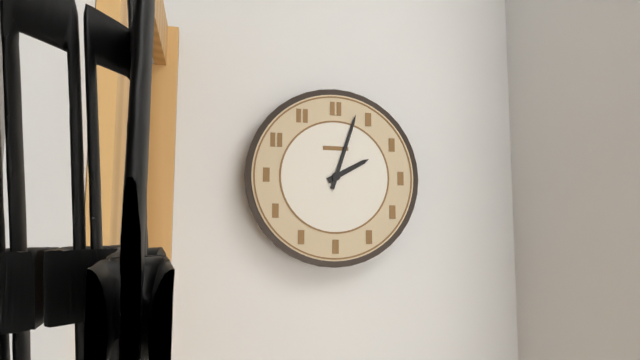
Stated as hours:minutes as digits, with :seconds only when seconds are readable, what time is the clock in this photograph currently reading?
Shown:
2:03
